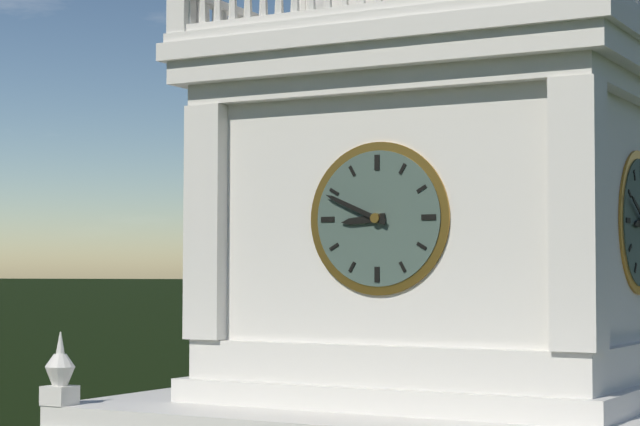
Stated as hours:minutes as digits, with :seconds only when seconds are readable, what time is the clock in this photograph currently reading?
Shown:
8:49
